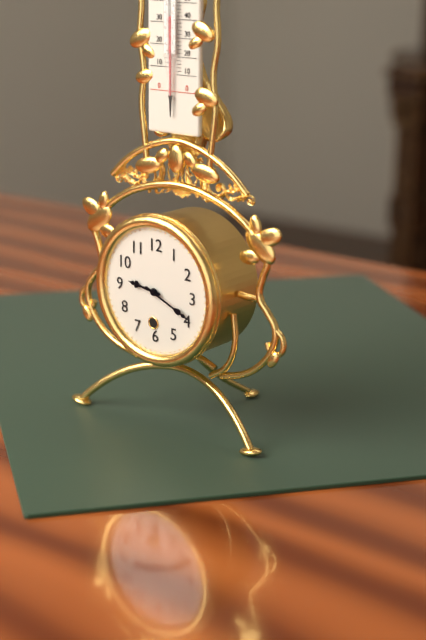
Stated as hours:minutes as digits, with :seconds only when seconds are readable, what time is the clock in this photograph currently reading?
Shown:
9:19
